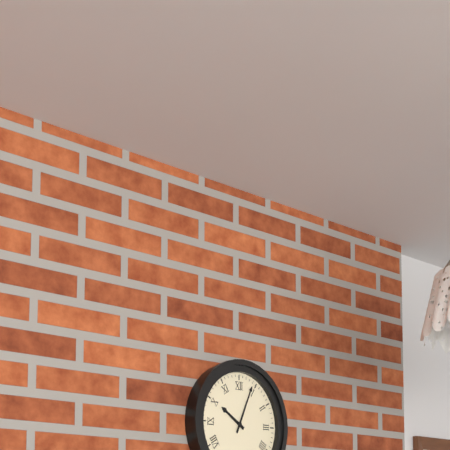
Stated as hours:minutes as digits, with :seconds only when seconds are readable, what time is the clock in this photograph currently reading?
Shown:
10:04
